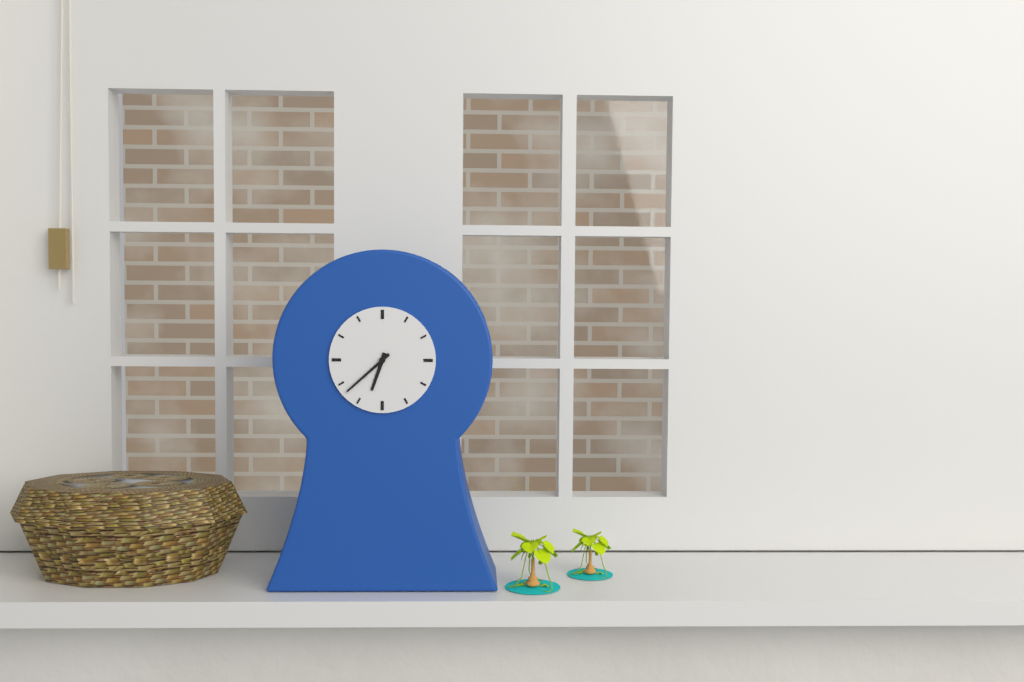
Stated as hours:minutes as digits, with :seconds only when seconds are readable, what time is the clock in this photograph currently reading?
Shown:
6:38
